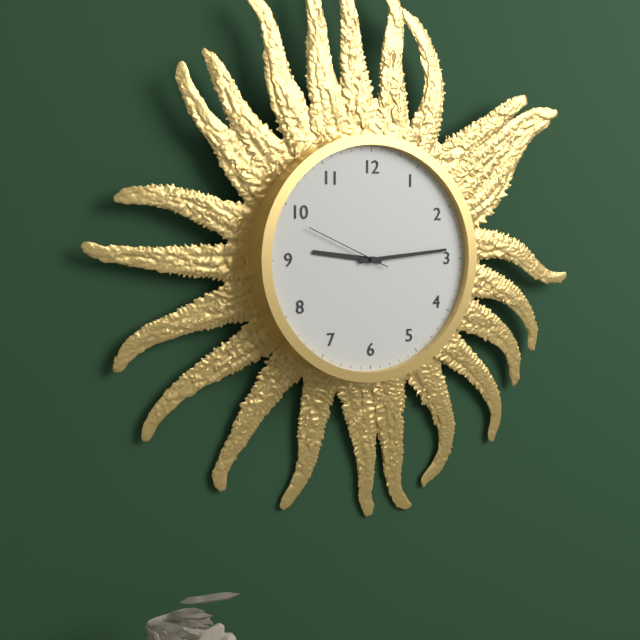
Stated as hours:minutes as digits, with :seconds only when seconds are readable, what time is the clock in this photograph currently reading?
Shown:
9:14:49
